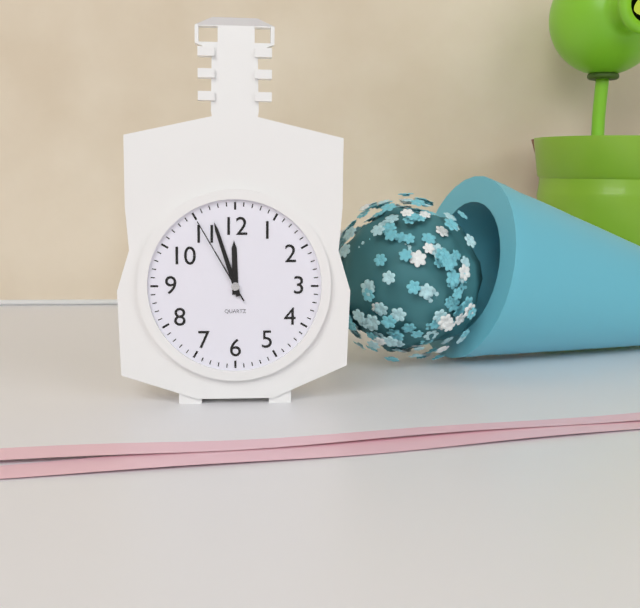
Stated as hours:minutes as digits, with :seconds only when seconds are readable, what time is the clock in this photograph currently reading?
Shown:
11:57:55
